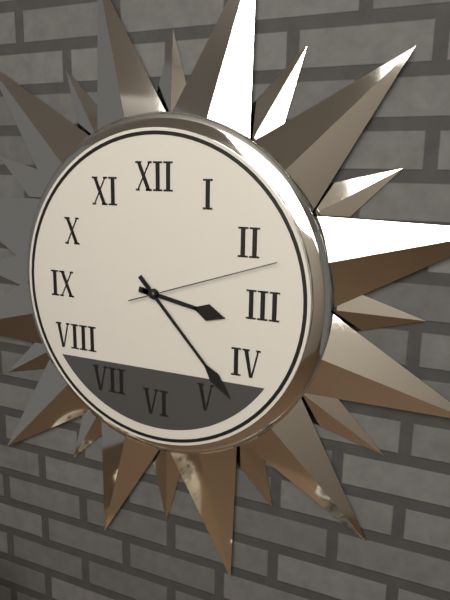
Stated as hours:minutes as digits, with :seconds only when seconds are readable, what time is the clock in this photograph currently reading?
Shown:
3:23:12
